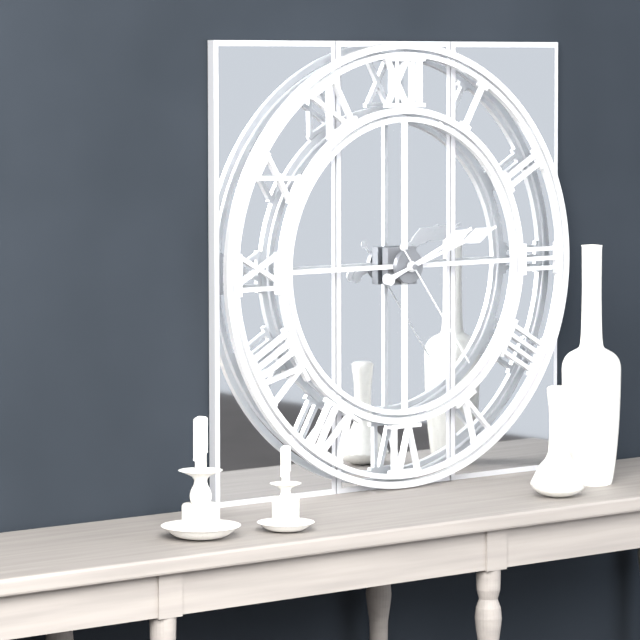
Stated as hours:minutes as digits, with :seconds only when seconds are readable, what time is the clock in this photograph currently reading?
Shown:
2:12:24
